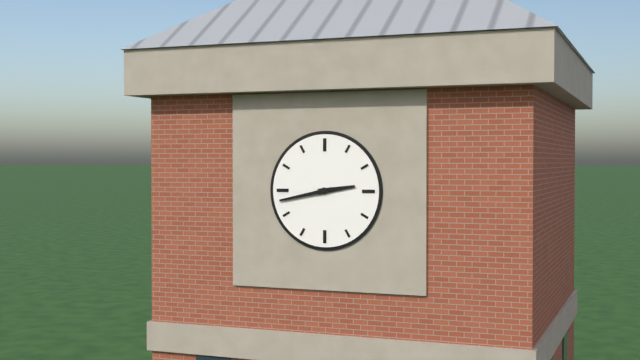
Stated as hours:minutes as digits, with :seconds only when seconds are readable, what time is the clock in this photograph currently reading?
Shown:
2:43
